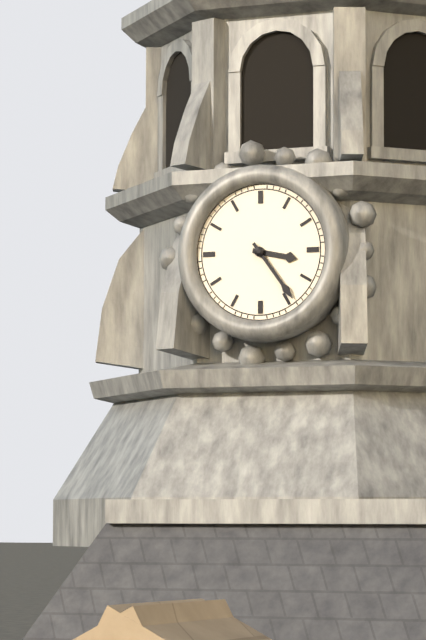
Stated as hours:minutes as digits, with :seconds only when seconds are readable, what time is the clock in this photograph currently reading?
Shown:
3:24
